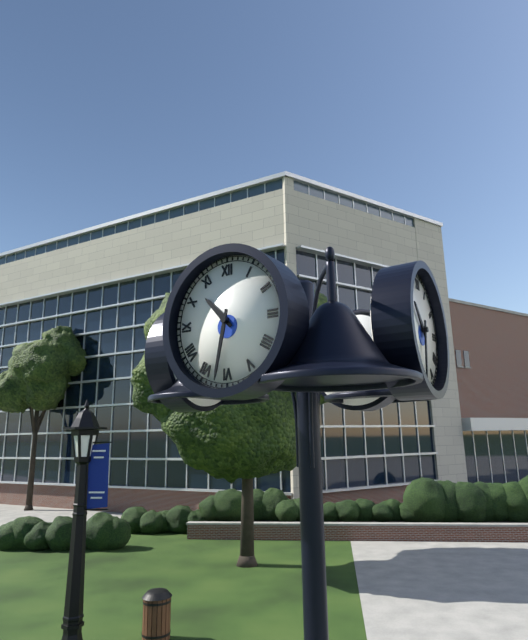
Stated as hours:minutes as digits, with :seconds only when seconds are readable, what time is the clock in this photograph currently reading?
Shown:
10:32
